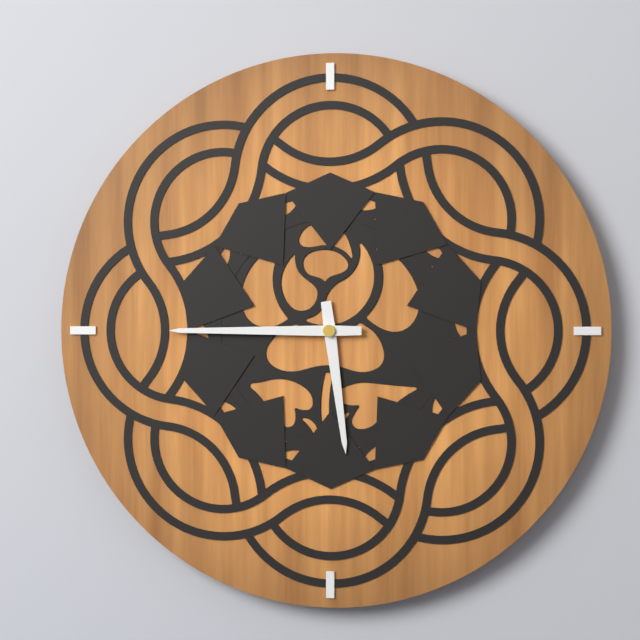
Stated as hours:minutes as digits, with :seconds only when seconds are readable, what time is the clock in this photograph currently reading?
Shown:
5:45
